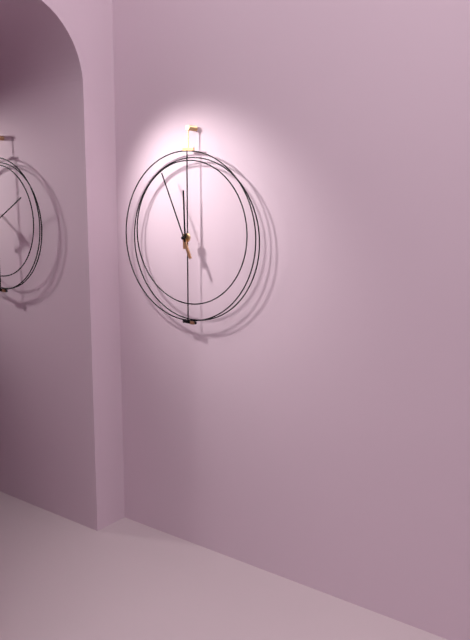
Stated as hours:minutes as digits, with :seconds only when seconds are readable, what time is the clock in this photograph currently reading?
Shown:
11:56
